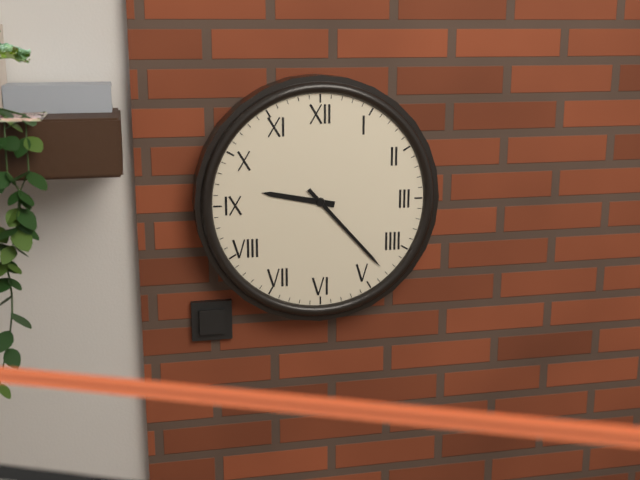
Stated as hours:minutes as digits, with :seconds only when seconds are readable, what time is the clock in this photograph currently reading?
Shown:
9:23
